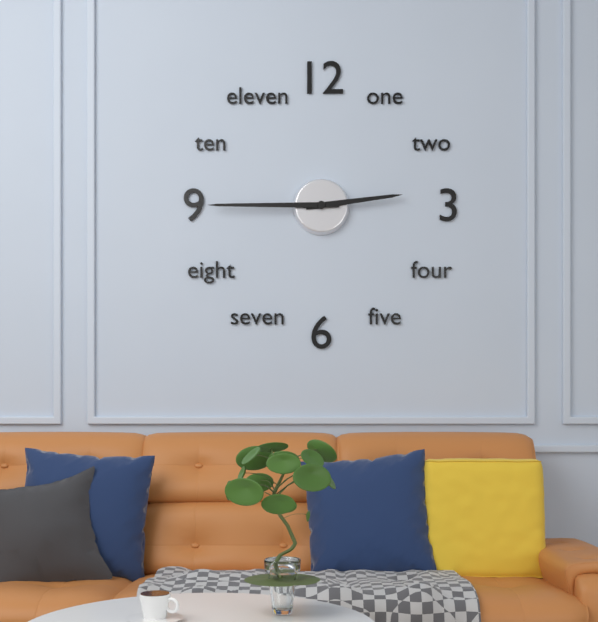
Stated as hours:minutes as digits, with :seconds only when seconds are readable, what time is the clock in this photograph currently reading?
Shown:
2:45
